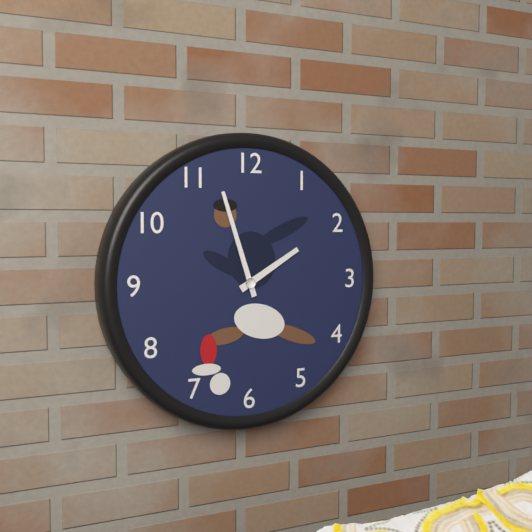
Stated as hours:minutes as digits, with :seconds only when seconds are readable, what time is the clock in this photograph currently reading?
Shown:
1:57
